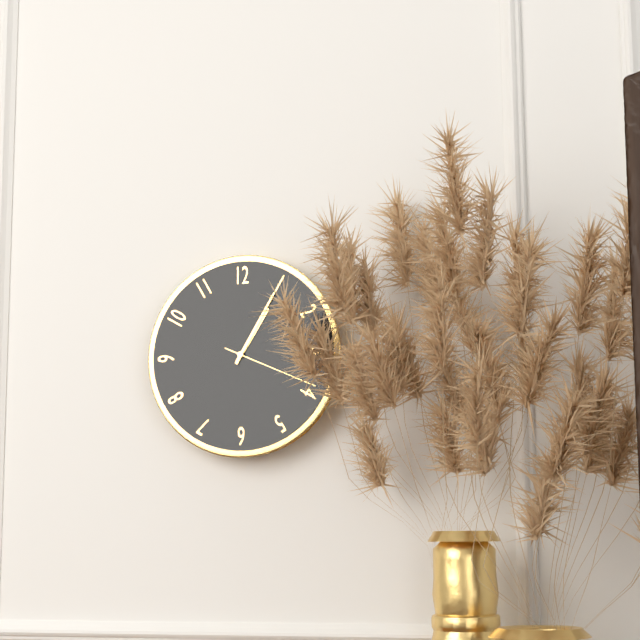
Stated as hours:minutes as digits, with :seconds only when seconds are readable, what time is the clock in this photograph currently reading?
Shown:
1:05:19
